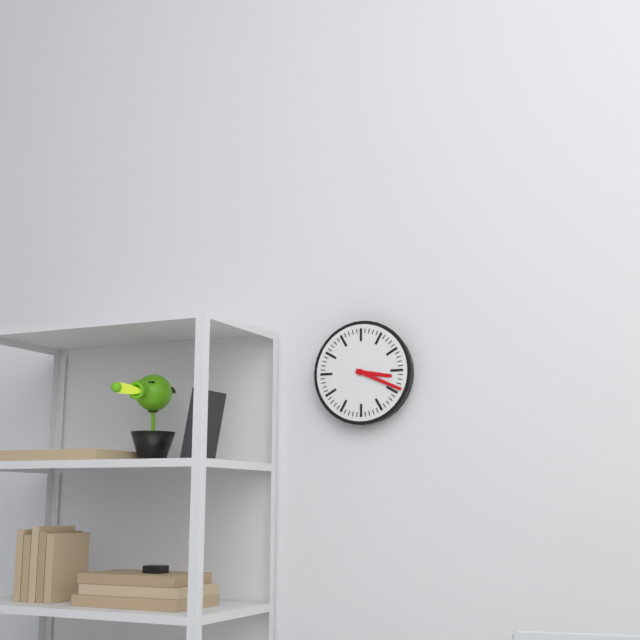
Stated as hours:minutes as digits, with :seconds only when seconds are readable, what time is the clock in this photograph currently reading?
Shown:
3:19
